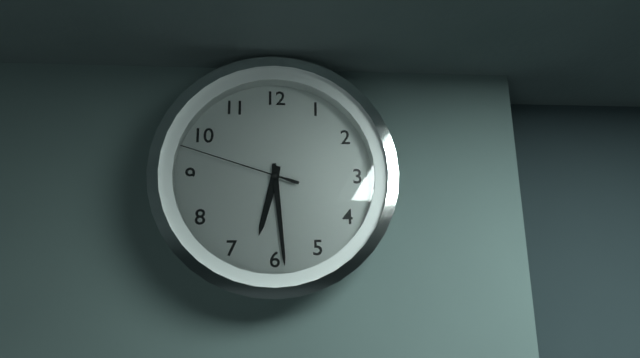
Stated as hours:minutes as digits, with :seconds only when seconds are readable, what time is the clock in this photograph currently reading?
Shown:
6:29:48
